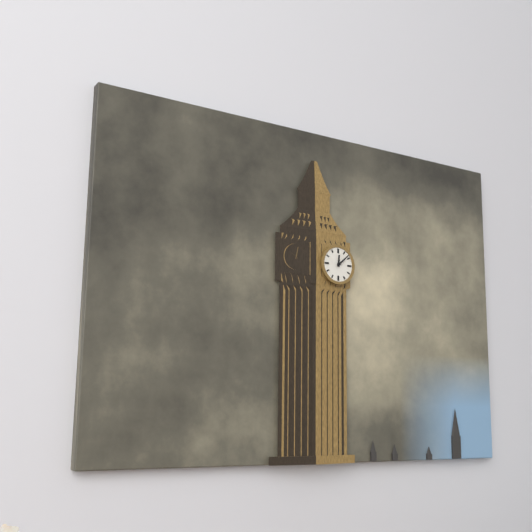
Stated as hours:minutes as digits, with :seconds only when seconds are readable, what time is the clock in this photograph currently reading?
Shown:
12:08
